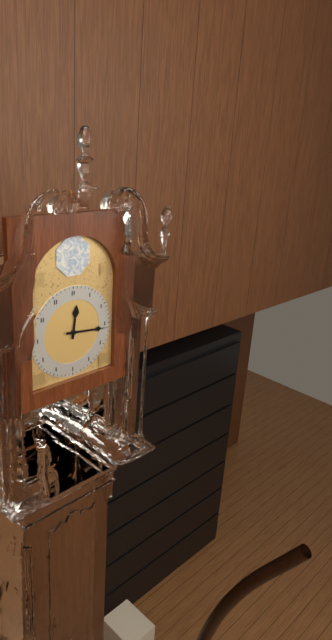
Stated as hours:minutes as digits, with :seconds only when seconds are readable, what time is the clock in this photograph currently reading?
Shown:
12:16
